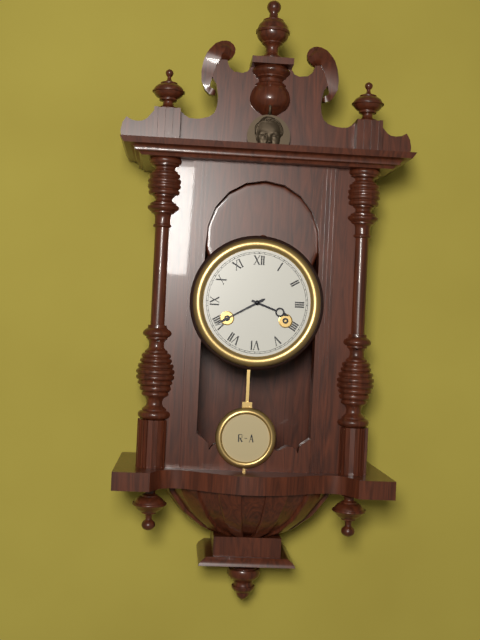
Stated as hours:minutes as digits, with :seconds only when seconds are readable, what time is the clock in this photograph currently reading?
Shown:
3:40
